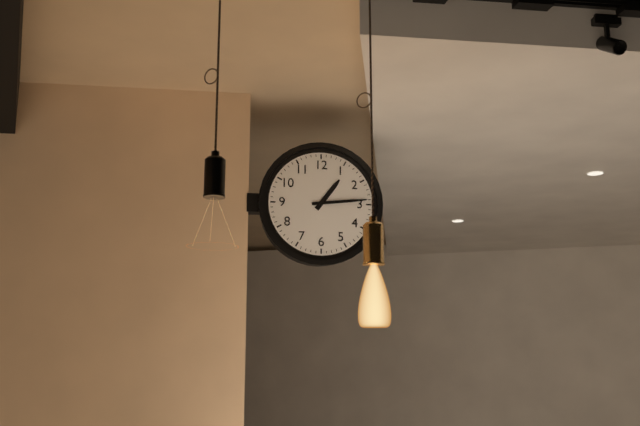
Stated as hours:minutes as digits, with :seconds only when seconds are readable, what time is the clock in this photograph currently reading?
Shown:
1:14
